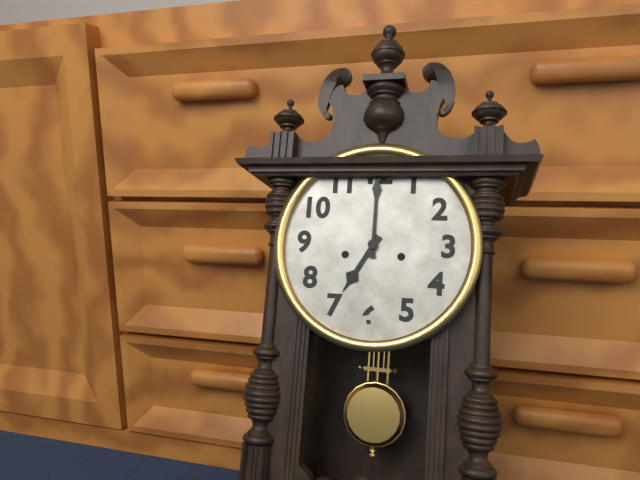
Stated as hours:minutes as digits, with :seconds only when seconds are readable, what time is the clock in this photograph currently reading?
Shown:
7:00
